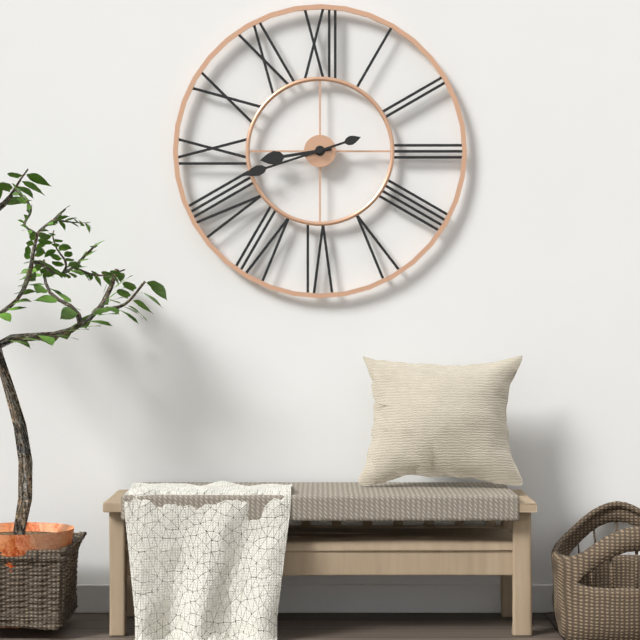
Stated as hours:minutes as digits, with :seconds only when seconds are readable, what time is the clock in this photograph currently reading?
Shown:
8:42
